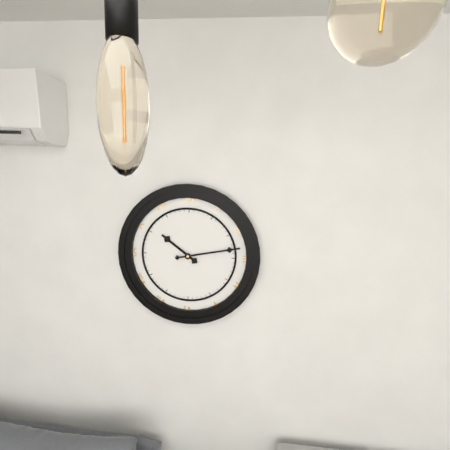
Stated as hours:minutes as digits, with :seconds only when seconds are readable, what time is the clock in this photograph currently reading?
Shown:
10:13
